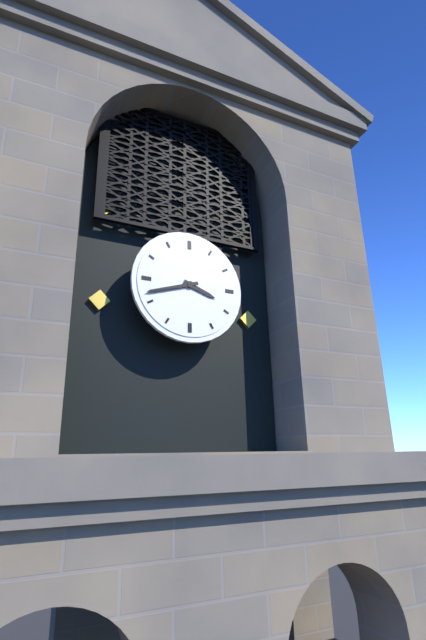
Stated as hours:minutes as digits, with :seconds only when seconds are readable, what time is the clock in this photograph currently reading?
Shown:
3:42
